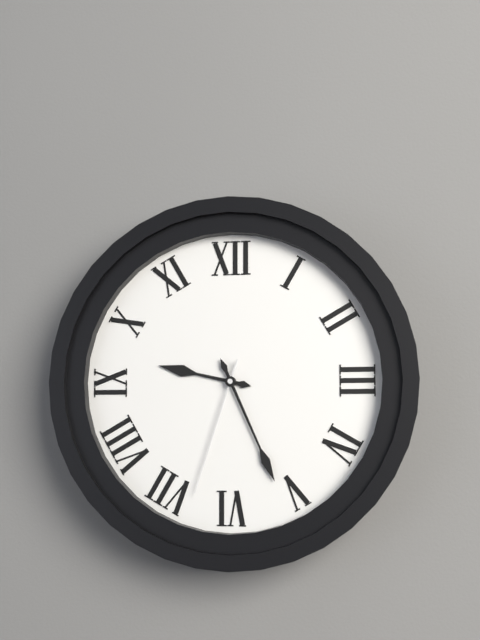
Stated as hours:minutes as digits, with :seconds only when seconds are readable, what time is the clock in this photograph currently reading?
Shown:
9:26:33
